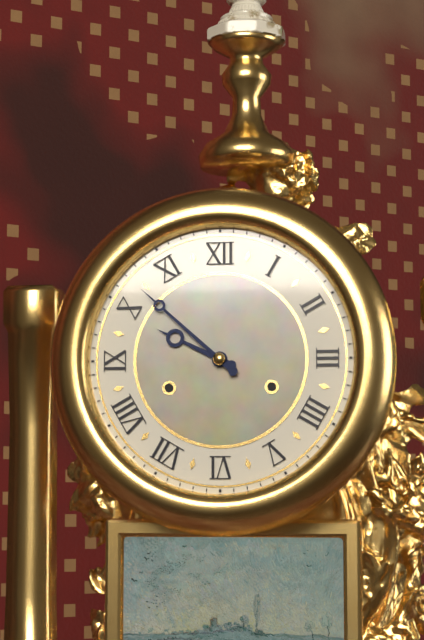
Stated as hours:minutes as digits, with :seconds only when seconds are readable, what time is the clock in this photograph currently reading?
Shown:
9:52
